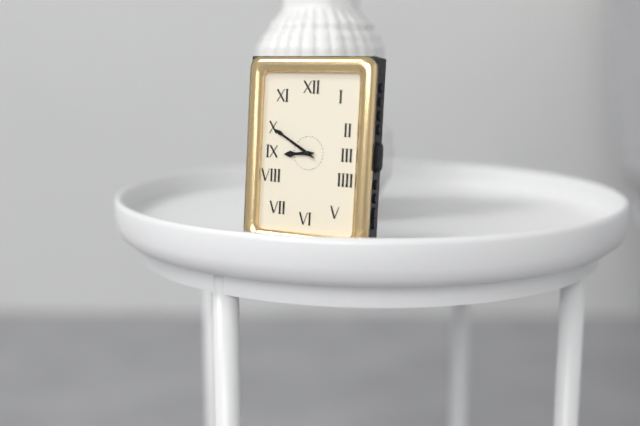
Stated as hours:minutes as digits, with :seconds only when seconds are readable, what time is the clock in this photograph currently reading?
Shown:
8:50
